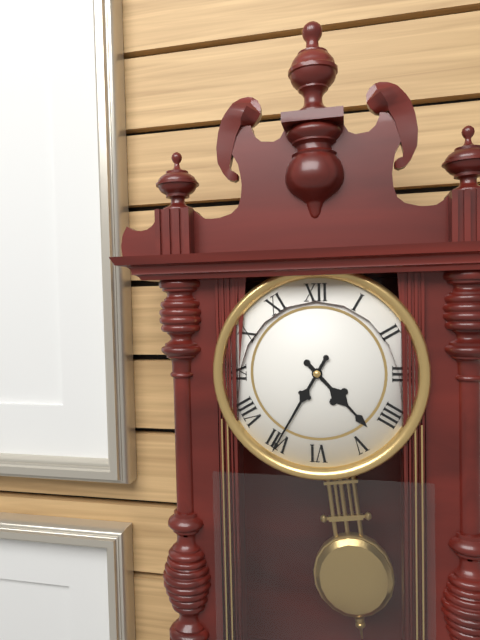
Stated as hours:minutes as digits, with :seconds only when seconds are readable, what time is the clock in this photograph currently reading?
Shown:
4:35
